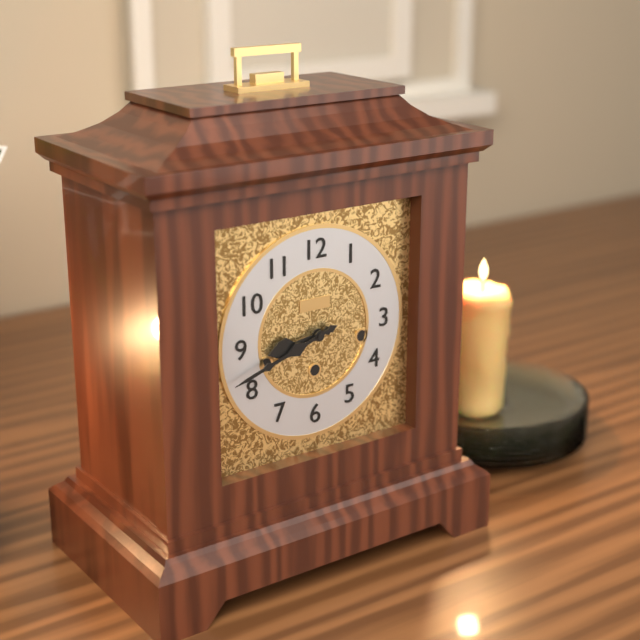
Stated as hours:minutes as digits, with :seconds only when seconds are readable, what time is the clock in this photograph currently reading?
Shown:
8:42
